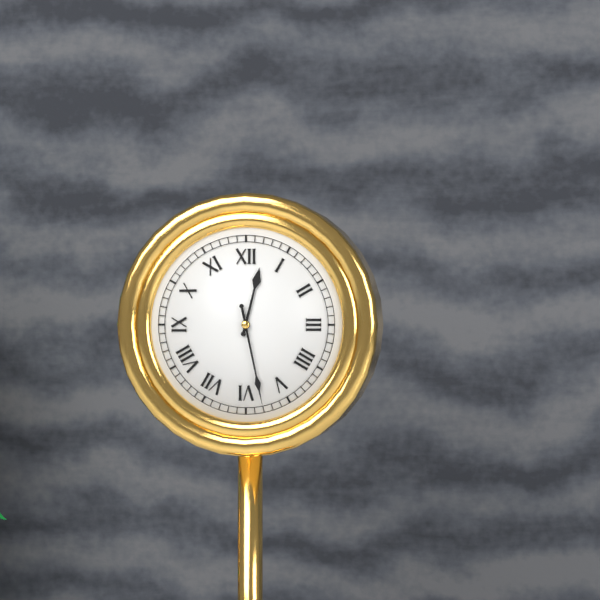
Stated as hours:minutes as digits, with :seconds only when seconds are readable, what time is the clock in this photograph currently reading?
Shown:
12:28
